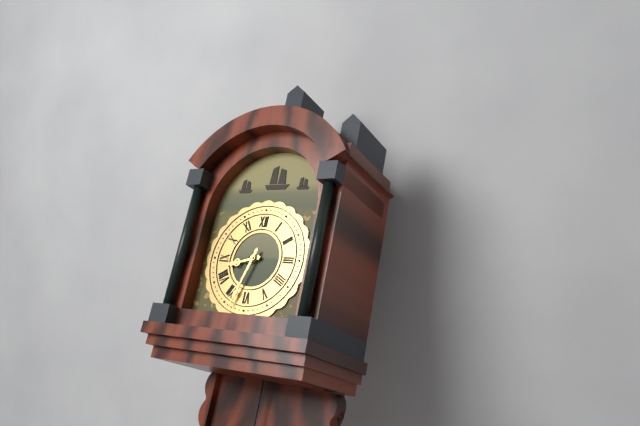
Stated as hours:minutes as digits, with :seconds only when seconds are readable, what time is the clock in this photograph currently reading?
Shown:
8:33
